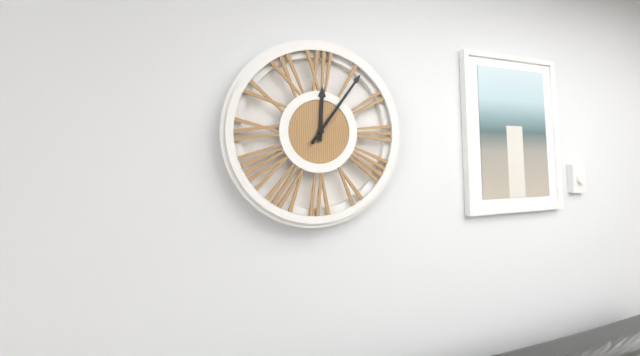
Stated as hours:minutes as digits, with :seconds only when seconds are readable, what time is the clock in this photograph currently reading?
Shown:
12:06
